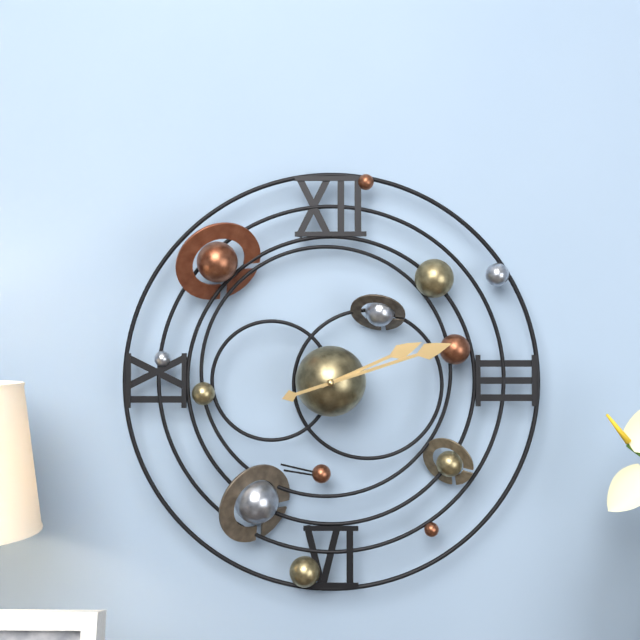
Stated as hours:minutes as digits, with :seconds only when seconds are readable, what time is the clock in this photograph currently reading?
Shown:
2:12
